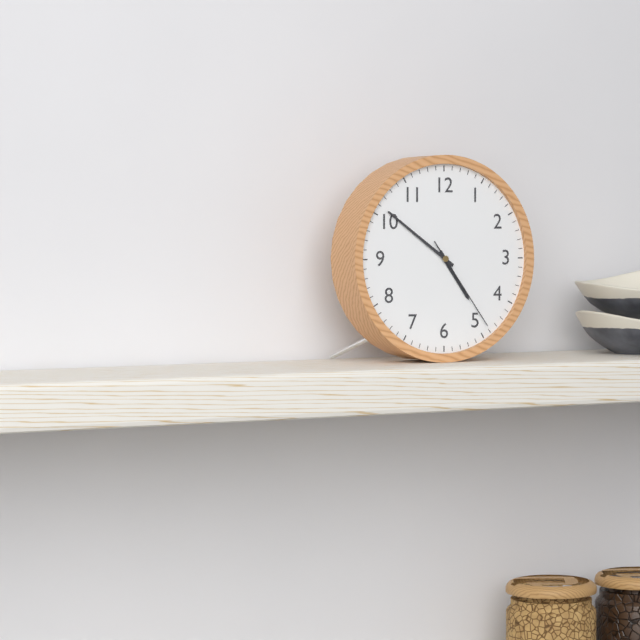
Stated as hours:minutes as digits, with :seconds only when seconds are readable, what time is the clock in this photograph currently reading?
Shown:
4:51:24
